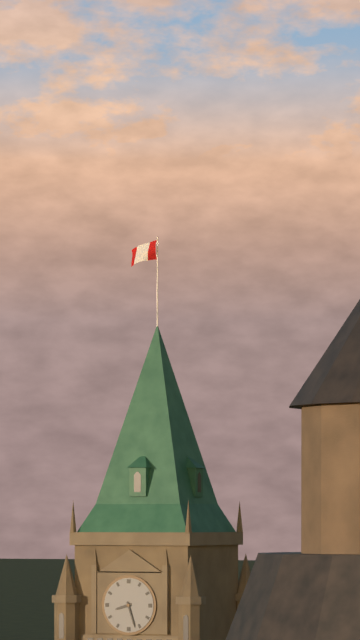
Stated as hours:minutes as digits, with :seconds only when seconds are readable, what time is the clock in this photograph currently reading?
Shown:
8:27
